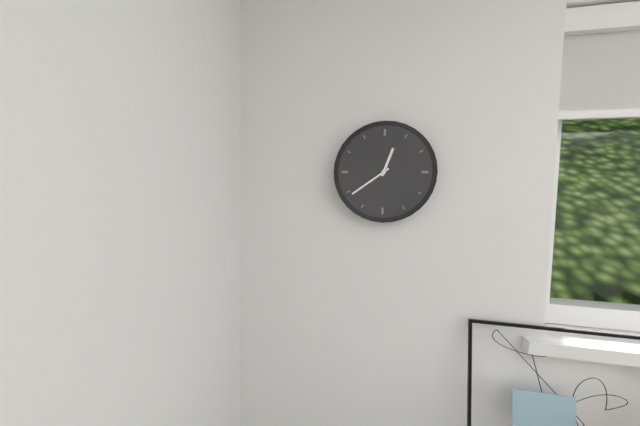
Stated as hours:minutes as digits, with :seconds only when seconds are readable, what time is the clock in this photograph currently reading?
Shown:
12:39
